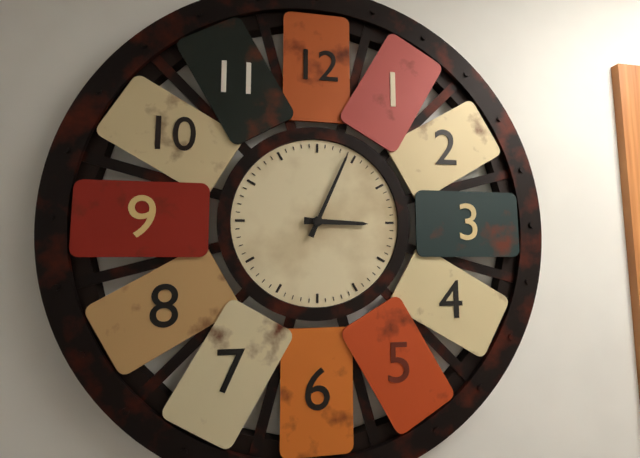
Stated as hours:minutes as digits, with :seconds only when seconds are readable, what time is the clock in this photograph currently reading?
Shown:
3:04
